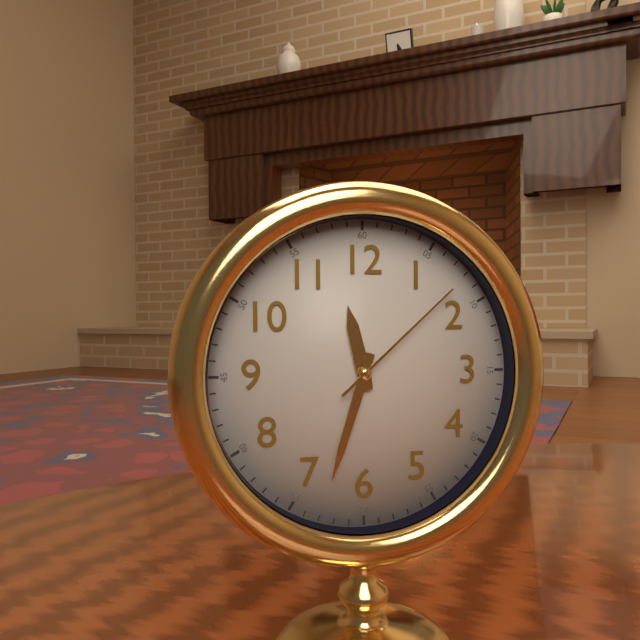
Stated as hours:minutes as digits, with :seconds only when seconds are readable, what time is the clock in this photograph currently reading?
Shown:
11:33:08
